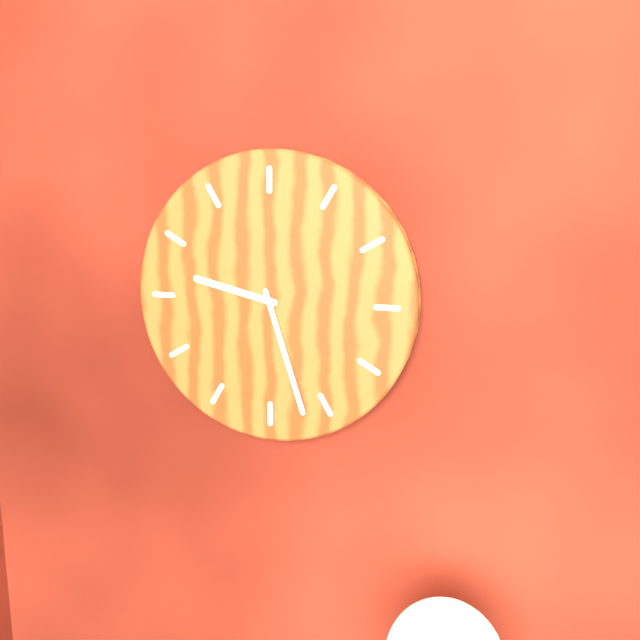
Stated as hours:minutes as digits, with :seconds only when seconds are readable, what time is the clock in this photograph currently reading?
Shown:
9:27
